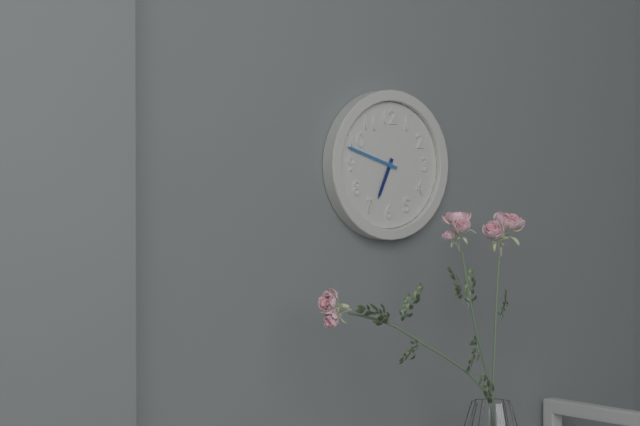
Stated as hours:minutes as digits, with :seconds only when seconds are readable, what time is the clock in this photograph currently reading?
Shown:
6:48
